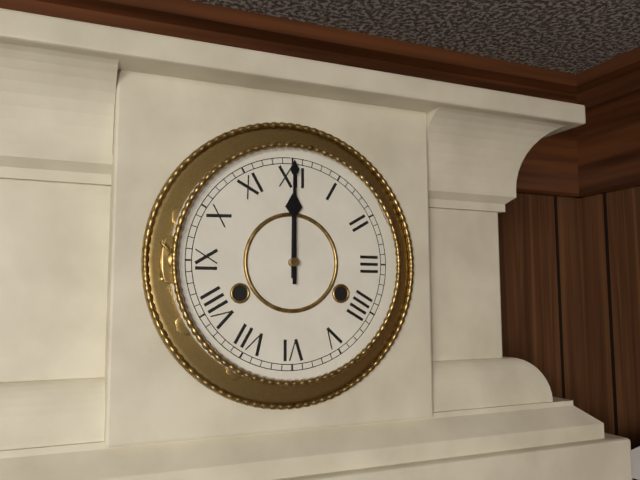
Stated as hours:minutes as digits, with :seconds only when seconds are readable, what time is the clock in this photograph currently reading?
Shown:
12:00
